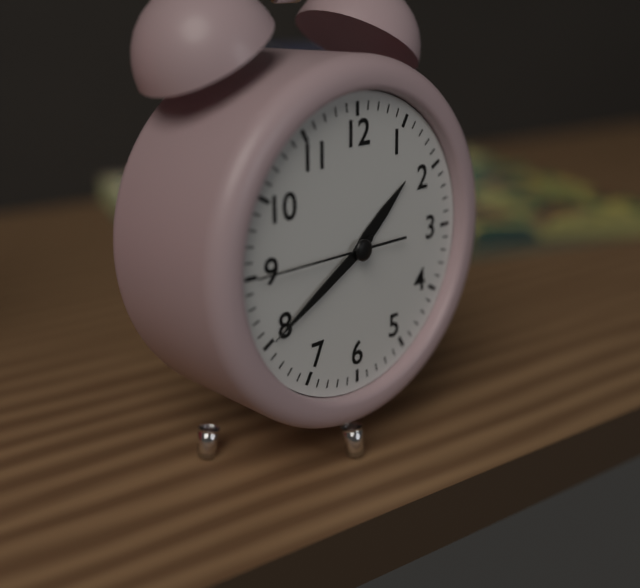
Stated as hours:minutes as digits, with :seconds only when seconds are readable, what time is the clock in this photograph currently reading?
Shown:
1:40:45
